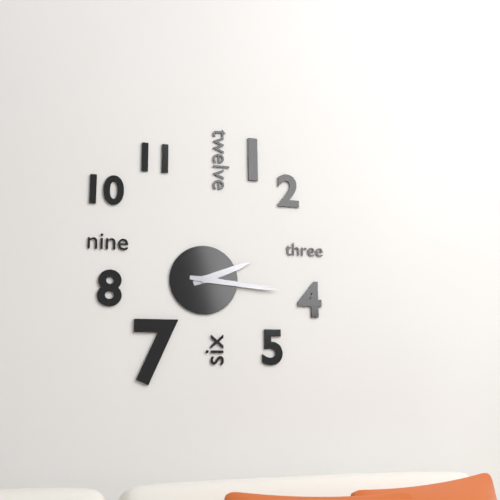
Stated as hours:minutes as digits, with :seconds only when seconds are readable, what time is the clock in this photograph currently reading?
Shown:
2:16
